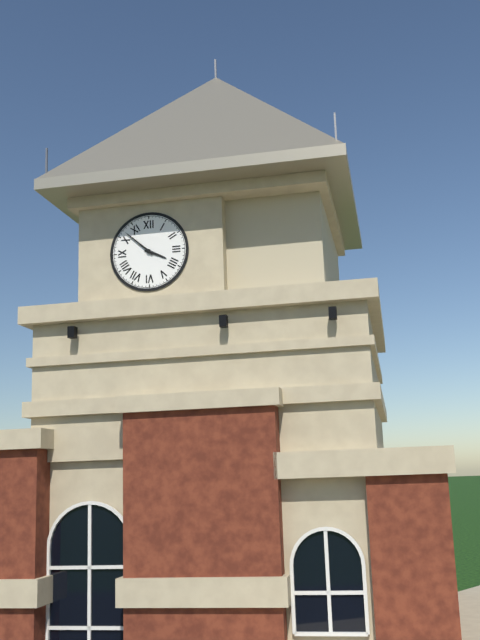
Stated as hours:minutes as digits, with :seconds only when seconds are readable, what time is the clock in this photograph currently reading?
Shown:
3:52
